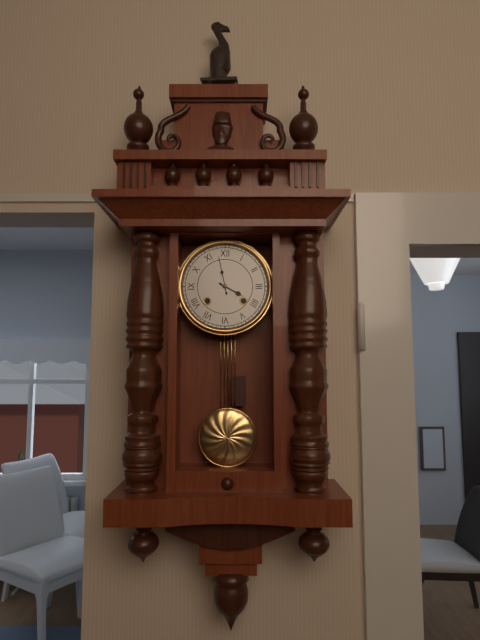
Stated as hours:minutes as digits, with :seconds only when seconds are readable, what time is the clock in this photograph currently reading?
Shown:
3:58
